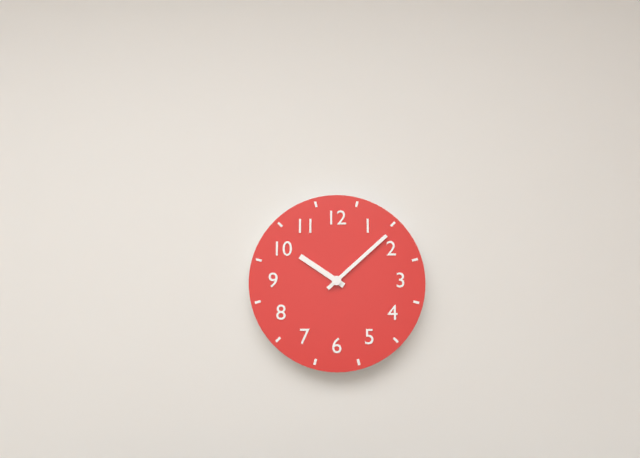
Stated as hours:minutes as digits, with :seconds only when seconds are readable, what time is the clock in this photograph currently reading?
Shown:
10:08
